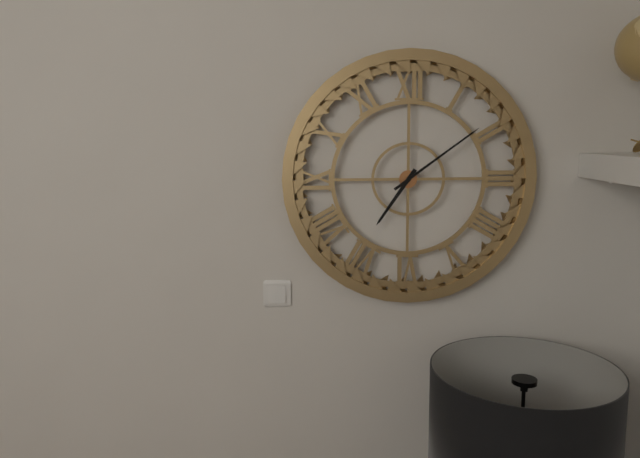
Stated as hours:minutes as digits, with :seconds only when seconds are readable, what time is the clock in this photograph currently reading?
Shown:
7:09
